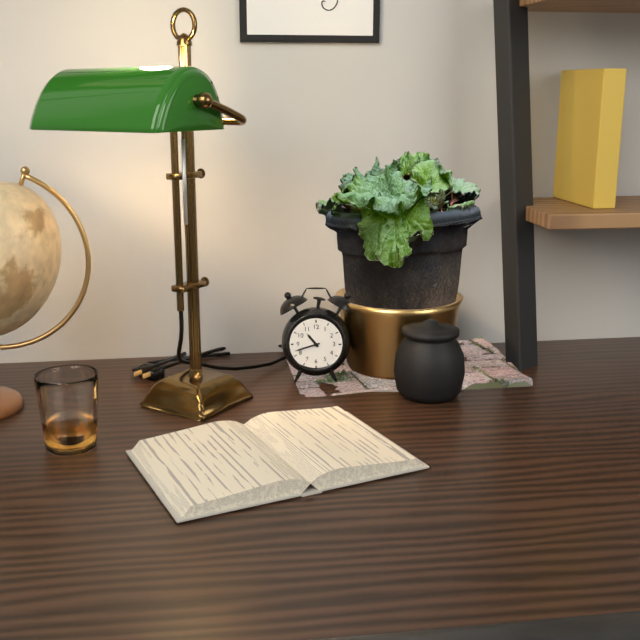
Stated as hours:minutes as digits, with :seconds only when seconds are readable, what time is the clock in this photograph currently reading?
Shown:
10:42
